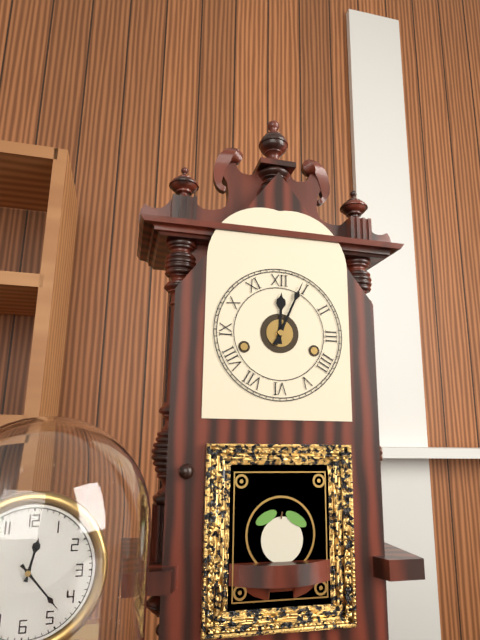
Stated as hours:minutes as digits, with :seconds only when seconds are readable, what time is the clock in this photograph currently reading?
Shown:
12:04
